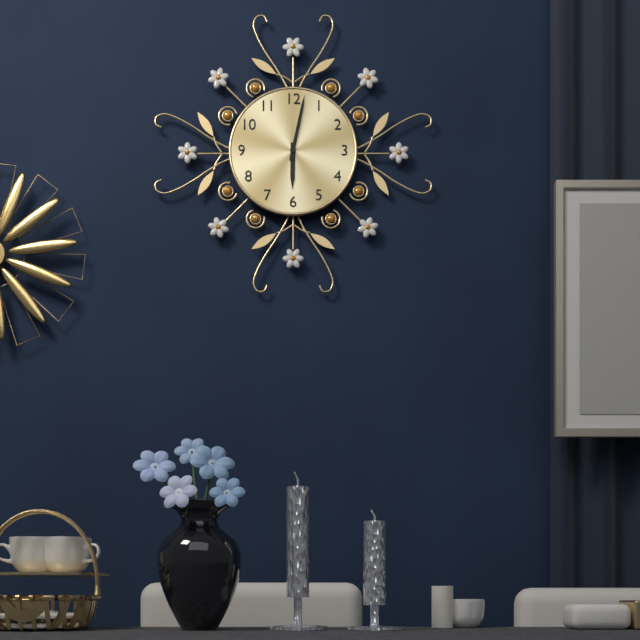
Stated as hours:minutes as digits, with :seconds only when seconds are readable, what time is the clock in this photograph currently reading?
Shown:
6:02
